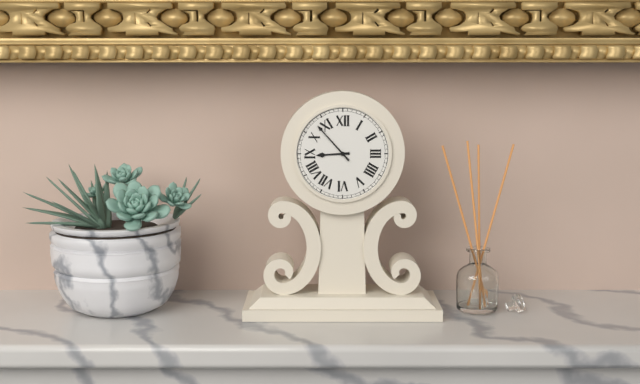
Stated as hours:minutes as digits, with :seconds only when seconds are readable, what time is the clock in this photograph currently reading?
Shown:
8:53
